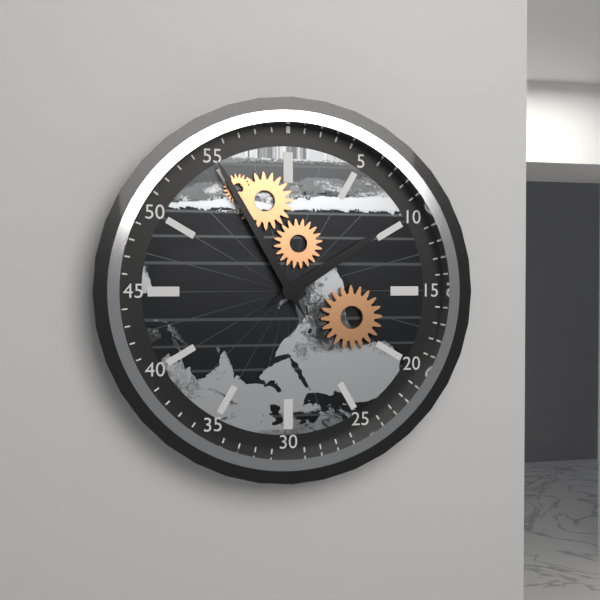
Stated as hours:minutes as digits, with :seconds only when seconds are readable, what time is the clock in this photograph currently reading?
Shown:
1:55
